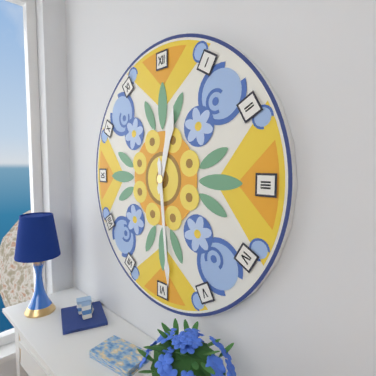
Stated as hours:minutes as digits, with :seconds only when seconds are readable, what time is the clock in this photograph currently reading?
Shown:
12:29
